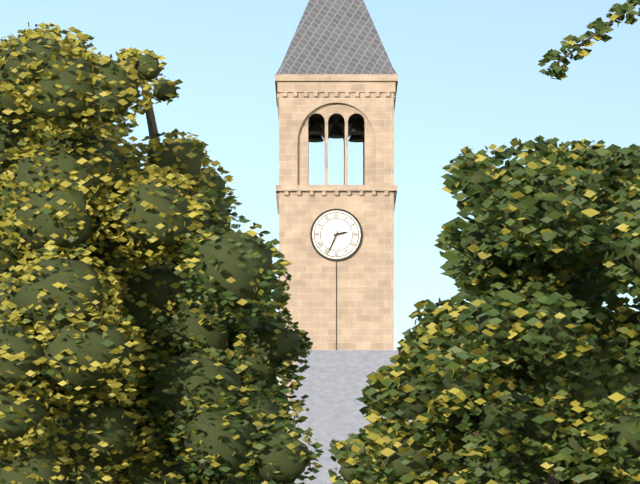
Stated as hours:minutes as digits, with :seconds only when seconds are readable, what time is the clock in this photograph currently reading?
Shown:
2:34
